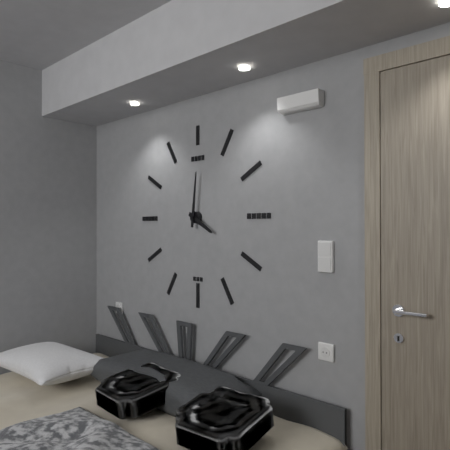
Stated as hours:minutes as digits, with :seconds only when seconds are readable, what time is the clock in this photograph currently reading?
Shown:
4:01
